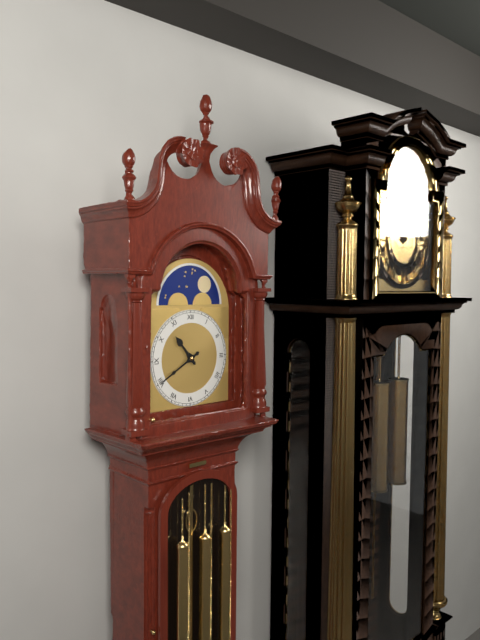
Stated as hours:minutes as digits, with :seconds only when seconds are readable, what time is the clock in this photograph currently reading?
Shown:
10:40
